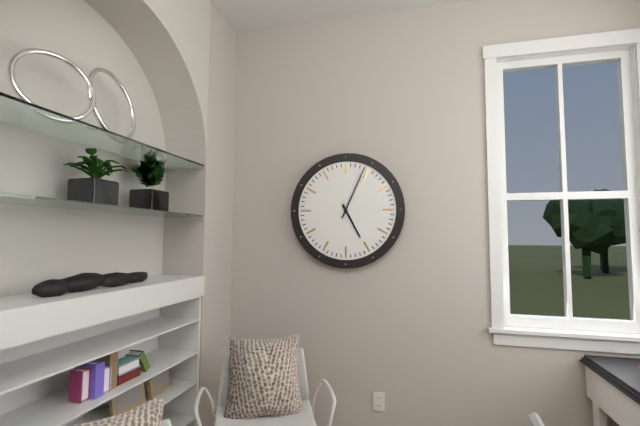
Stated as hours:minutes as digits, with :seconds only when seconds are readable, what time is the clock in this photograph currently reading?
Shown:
5:04
